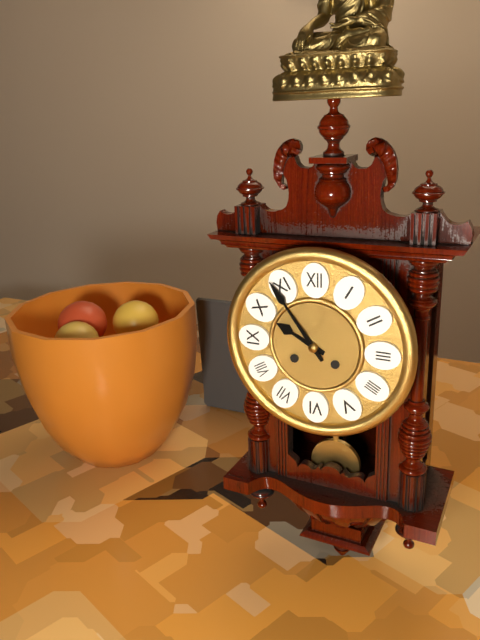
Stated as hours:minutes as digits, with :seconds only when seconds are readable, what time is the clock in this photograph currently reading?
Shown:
9:54
